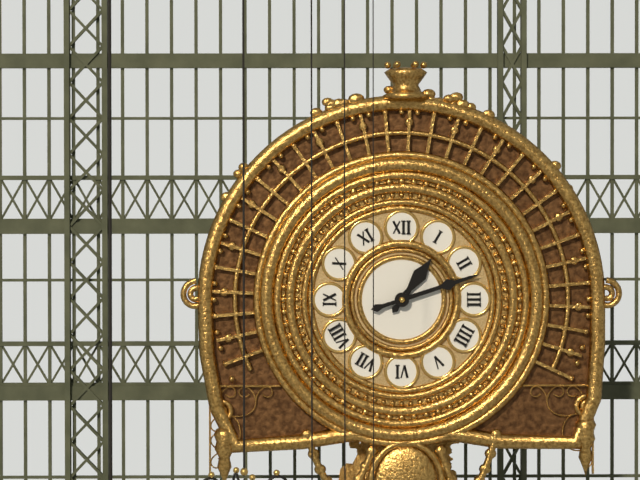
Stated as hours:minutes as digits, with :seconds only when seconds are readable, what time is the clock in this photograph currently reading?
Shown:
1:12
